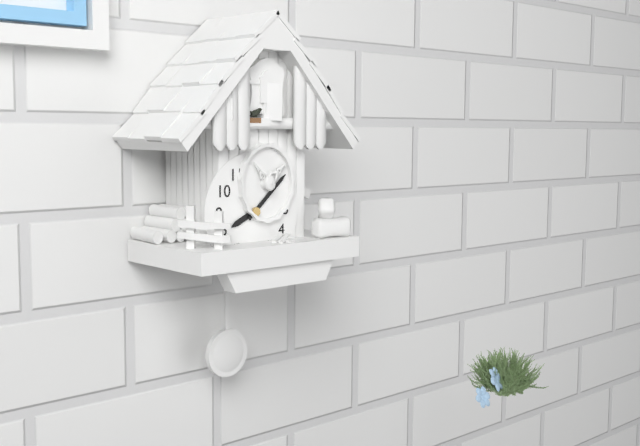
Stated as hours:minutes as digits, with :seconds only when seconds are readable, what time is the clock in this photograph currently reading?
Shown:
8:08
